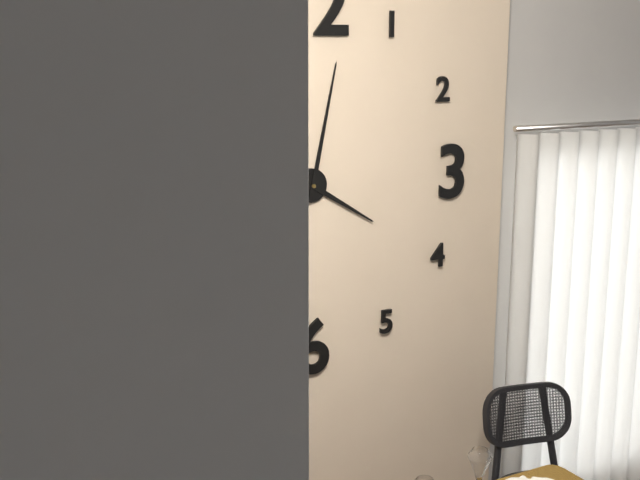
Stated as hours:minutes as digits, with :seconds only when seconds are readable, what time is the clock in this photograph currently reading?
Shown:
4:02
